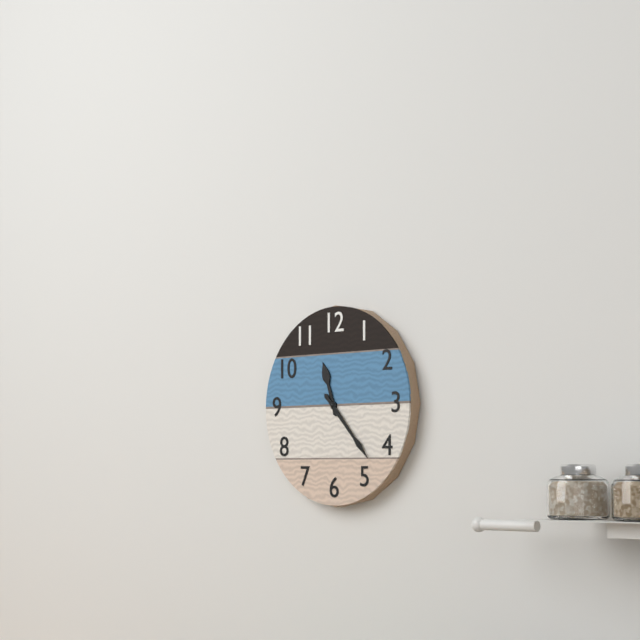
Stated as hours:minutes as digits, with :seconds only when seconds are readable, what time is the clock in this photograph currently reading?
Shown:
11:23
